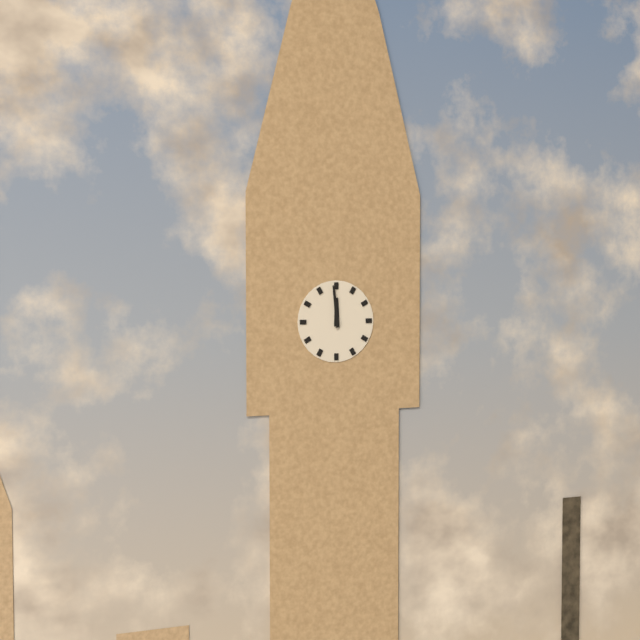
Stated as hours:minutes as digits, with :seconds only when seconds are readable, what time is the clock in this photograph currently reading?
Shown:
11:59
